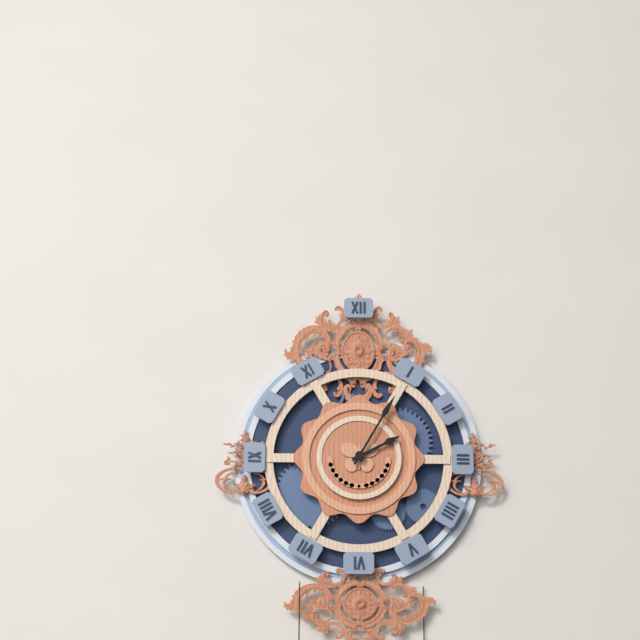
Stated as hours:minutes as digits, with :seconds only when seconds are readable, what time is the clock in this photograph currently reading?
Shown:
2:05
